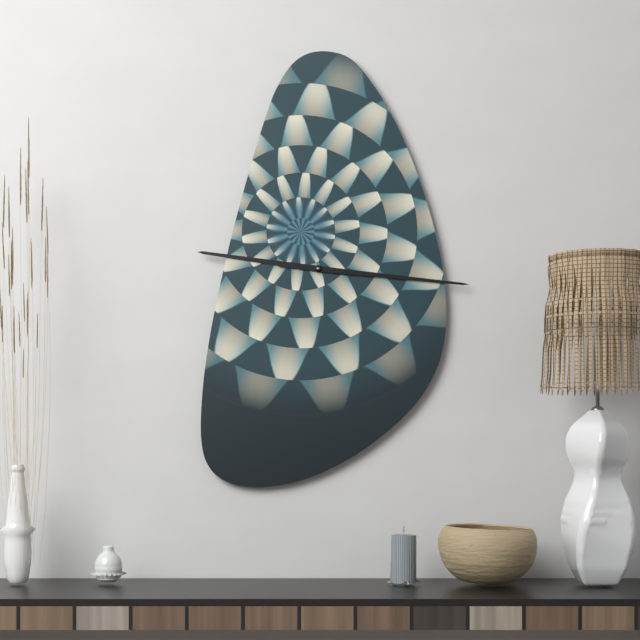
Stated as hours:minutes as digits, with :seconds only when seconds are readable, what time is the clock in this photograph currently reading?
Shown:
9:16
